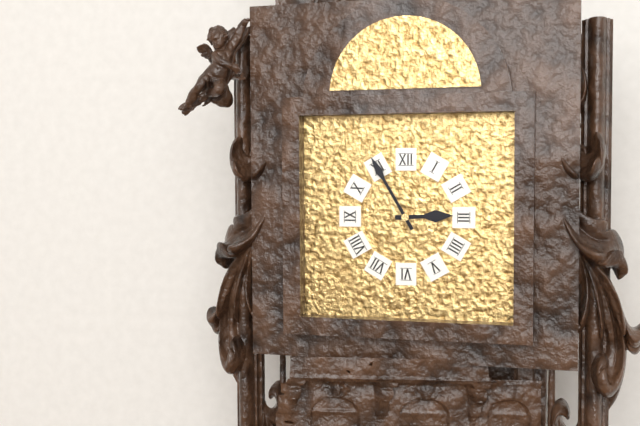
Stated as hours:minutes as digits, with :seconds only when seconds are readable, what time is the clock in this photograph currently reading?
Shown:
2:55
